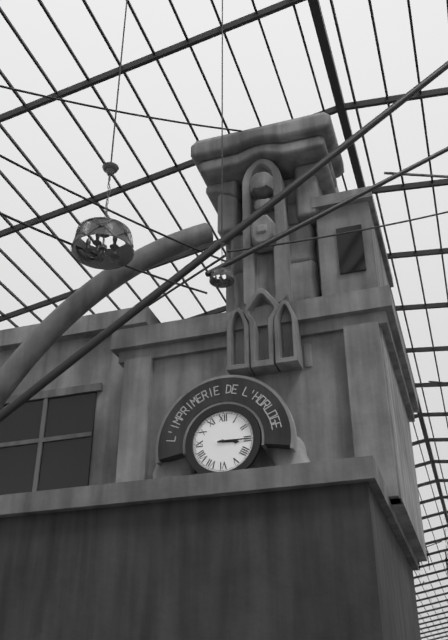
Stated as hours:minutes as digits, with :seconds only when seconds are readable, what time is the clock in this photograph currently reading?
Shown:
3:15
